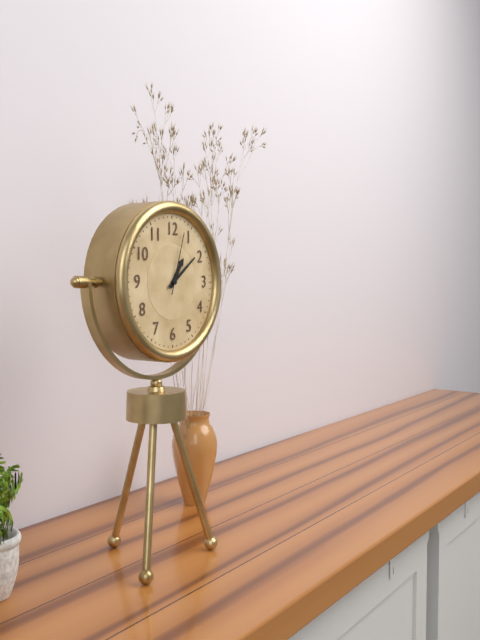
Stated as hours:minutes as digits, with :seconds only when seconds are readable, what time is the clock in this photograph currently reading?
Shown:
1:09:03
